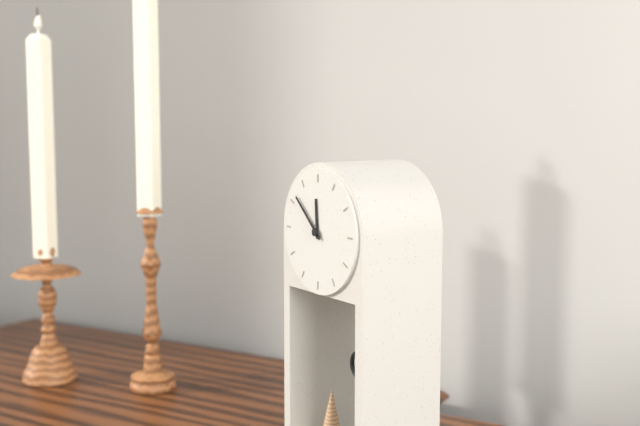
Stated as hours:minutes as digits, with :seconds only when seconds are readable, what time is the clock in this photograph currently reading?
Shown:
11:52
